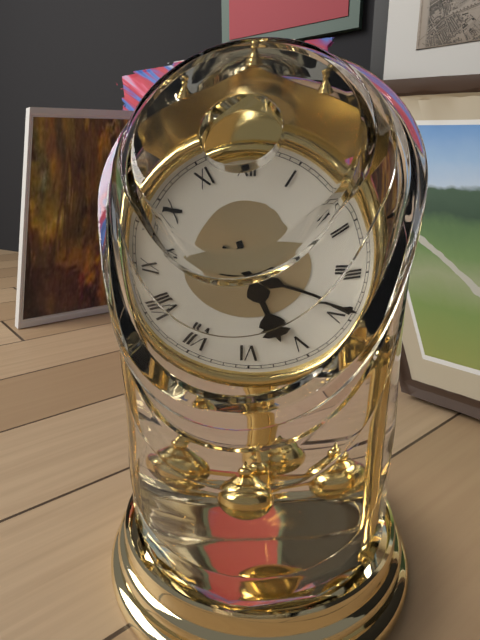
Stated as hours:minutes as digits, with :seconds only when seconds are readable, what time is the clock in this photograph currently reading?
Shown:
5:19
